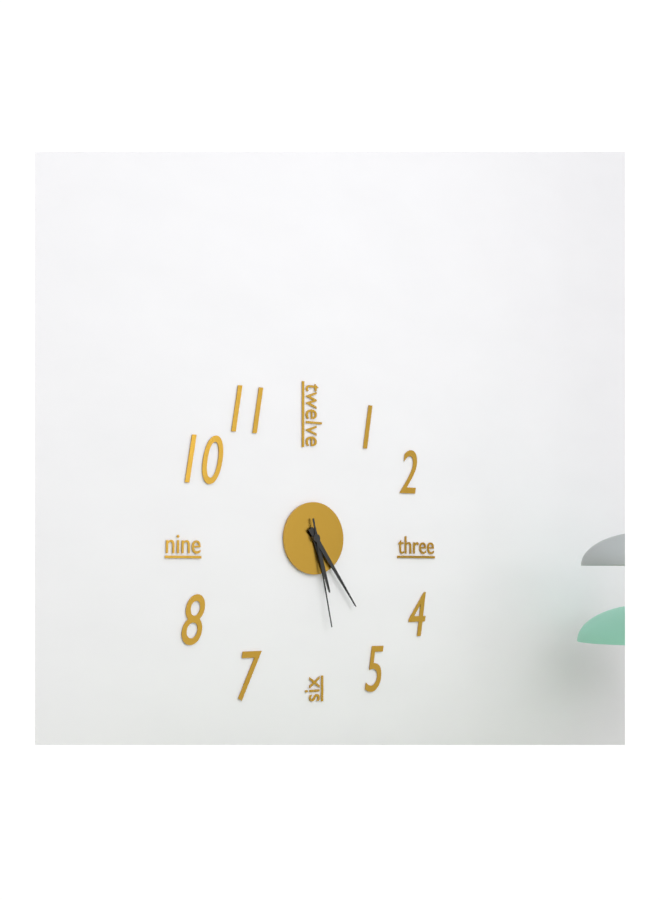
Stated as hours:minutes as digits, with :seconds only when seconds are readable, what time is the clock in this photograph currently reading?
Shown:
5:24:28
